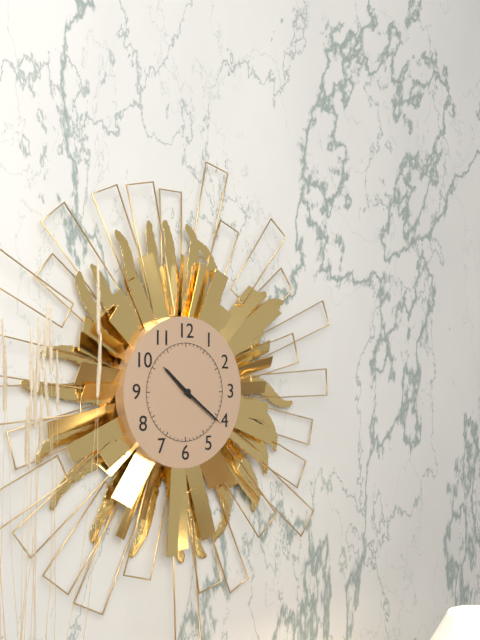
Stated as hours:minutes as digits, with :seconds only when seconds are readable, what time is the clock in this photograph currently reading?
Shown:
10:21
